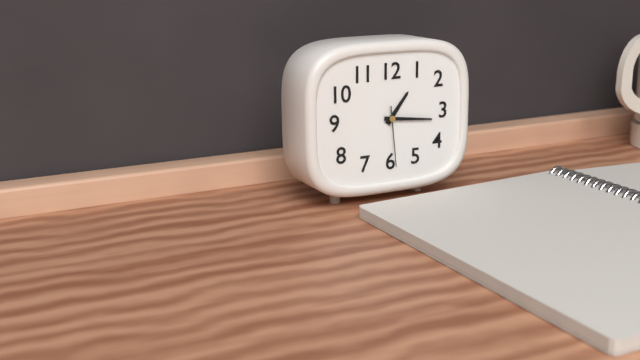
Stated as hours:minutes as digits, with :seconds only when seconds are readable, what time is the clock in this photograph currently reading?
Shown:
1:16:29
